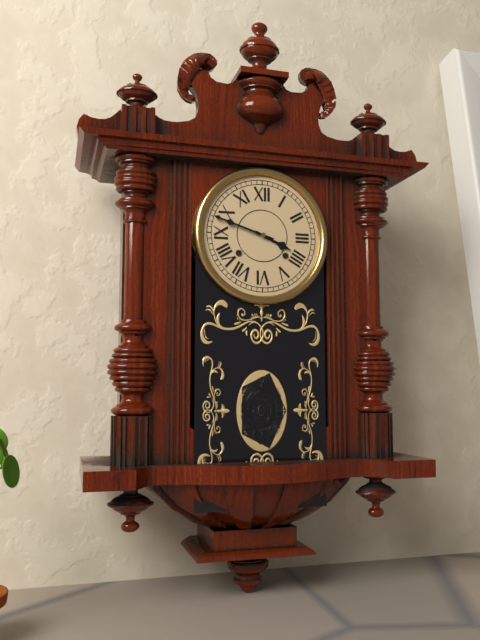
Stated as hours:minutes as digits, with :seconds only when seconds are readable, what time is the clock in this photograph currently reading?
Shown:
3:48
